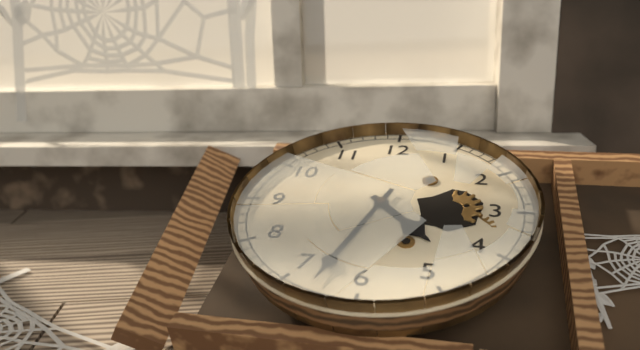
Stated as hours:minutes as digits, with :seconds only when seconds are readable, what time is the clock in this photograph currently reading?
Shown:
4:33
